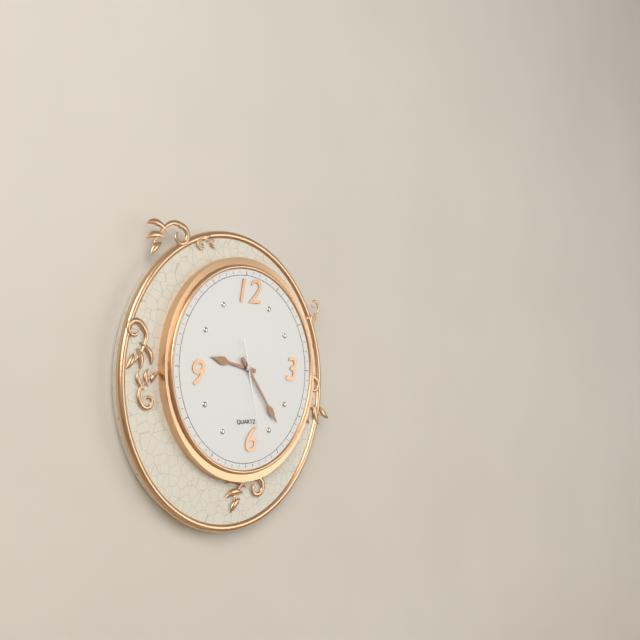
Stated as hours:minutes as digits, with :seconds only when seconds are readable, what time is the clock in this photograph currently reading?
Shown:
9:24:28
